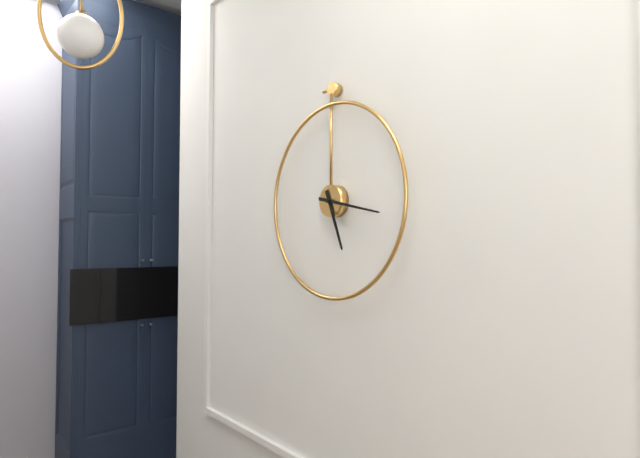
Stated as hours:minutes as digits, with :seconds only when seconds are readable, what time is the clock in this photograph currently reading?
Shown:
5:17
